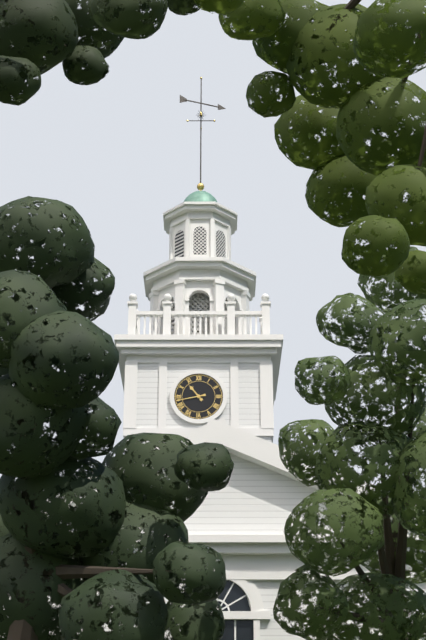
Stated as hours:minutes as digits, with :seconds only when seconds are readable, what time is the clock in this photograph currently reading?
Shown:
10:43
